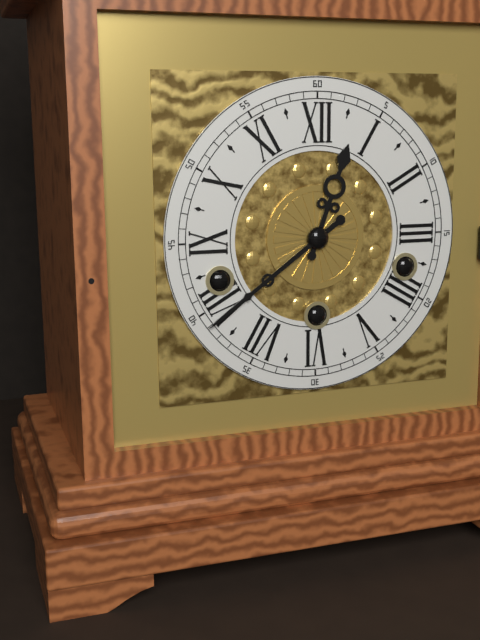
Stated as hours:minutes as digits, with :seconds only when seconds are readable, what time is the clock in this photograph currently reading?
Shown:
12:39
